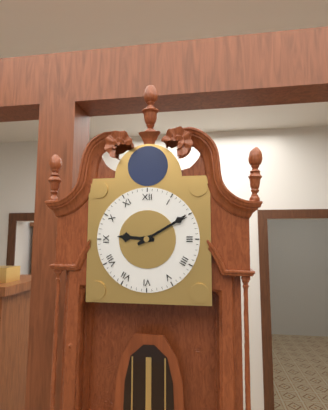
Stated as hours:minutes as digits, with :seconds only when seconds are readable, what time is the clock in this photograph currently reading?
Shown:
9:10
